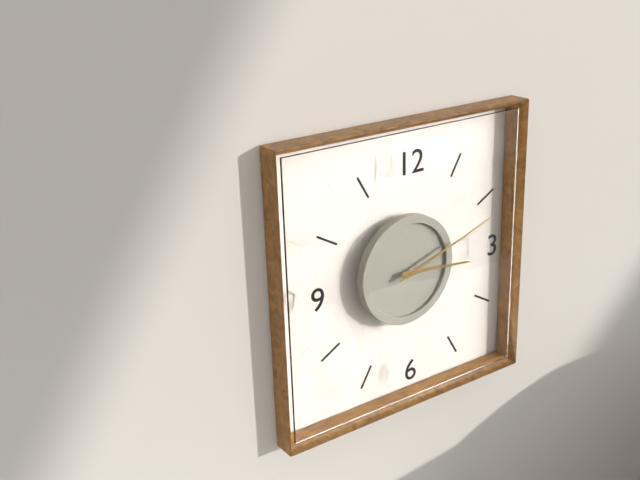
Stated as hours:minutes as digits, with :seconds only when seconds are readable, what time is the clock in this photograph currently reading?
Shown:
3:12
